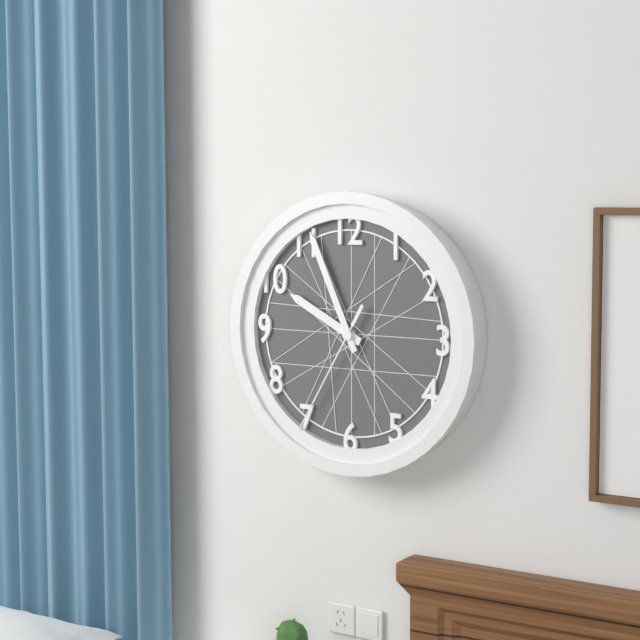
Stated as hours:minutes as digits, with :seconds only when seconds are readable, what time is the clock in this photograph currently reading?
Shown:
9:56:35
